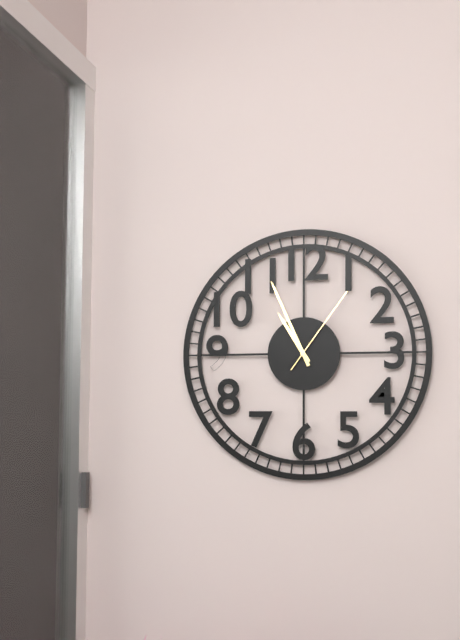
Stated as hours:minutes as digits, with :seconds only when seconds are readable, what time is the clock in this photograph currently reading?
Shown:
10:56:06
